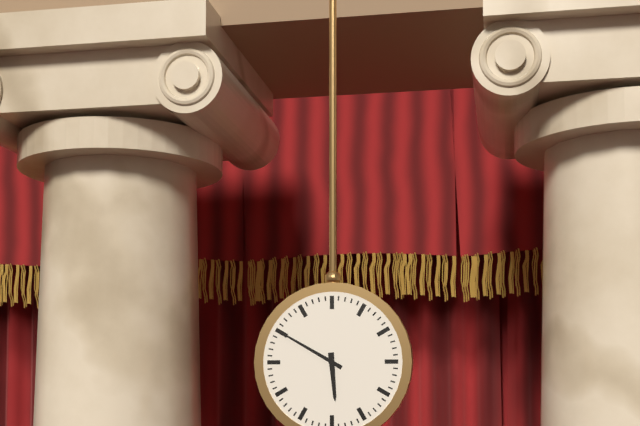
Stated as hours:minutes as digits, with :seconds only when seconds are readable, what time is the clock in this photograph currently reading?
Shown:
5:50
